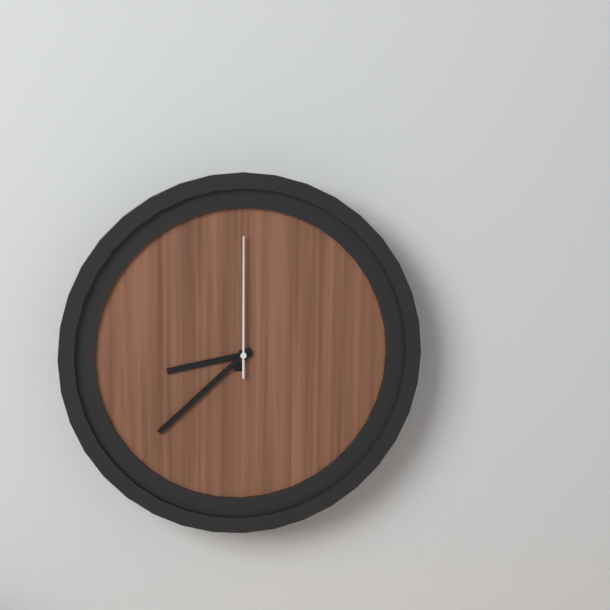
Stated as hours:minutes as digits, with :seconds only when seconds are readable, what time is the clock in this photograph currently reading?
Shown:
8:38:00
